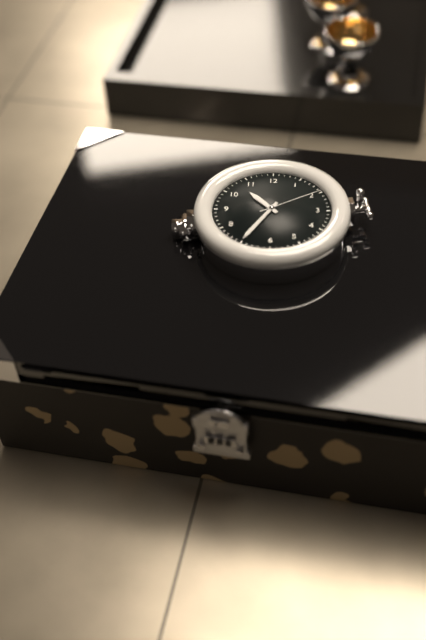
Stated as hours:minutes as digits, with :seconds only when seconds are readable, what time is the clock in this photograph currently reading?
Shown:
10:35:10
